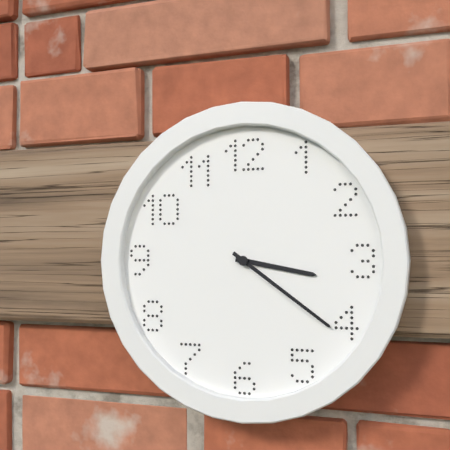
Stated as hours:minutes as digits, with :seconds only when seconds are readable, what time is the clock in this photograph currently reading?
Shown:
3:21
